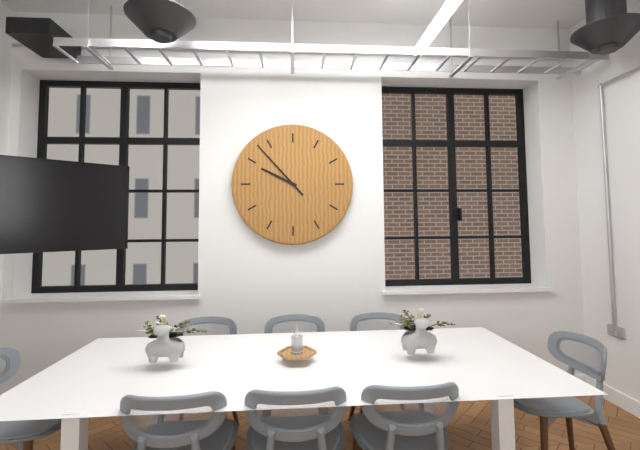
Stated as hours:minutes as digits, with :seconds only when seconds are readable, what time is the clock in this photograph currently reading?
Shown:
9:53
